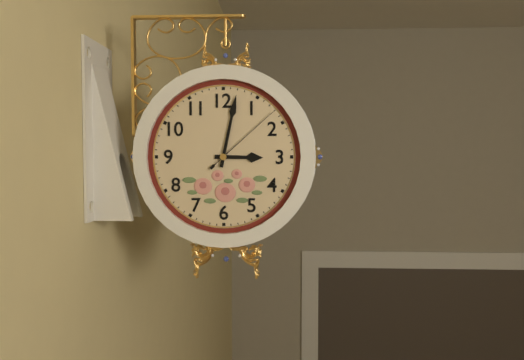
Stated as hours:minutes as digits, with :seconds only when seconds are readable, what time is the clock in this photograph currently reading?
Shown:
3:02:08
